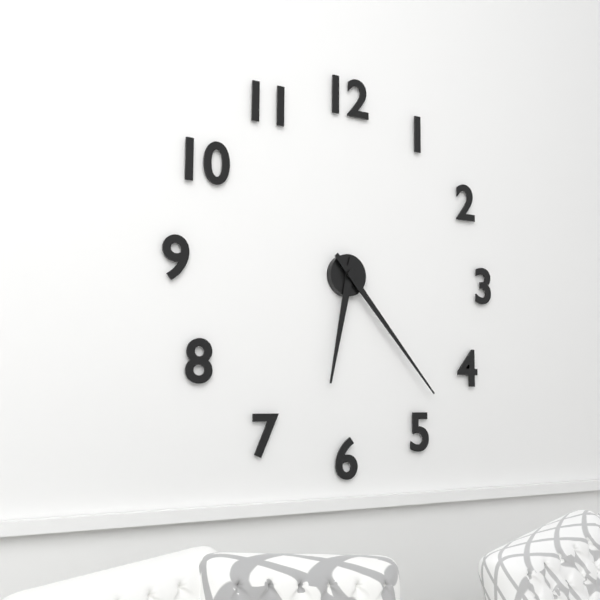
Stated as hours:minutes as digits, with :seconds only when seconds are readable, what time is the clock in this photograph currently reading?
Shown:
6:23
